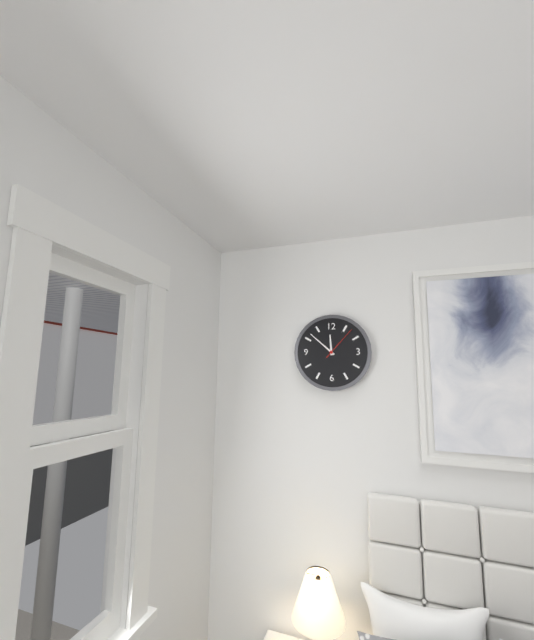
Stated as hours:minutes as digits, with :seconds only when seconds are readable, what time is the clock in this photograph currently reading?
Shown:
11:52
